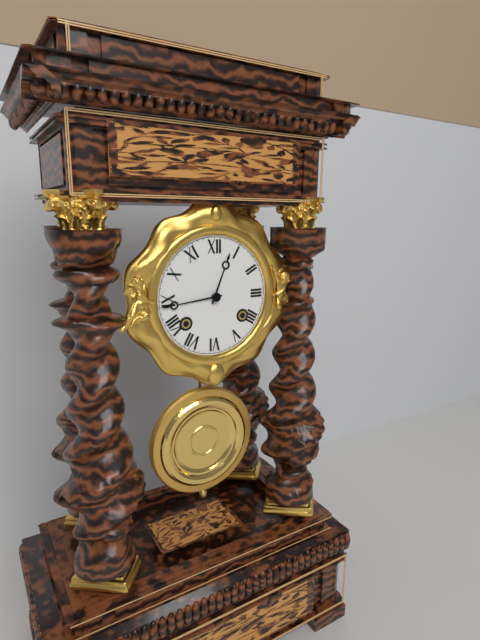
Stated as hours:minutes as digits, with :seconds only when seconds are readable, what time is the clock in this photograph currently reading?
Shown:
12:44
